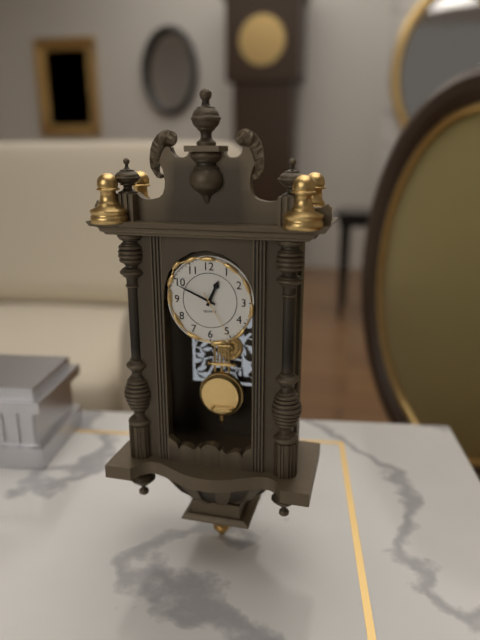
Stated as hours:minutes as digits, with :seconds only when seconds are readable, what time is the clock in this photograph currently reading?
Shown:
12:49:25
